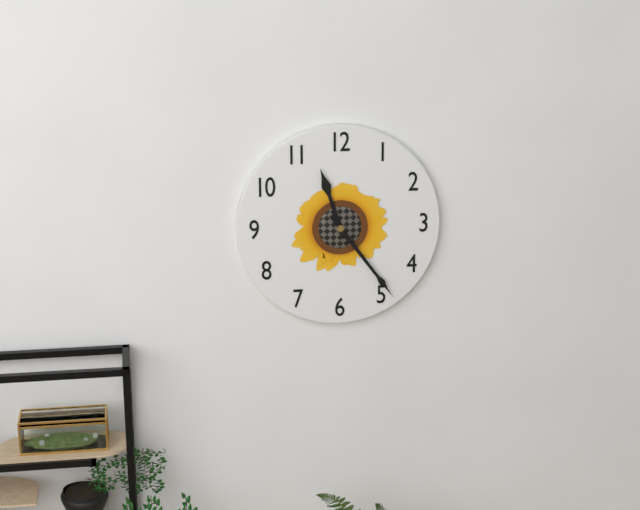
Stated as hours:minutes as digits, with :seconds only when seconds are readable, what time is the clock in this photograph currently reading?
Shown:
11:24
